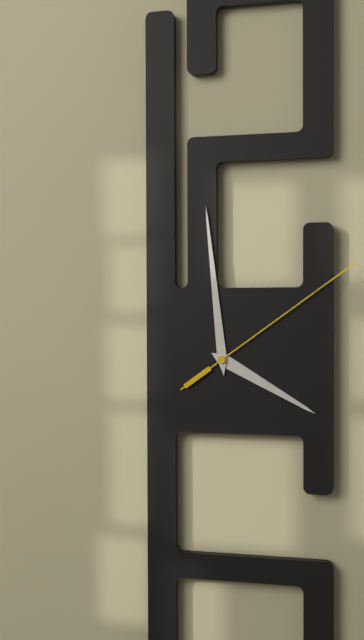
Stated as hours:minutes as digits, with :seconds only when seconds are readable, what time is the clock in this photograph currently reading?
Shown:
3:59:09
